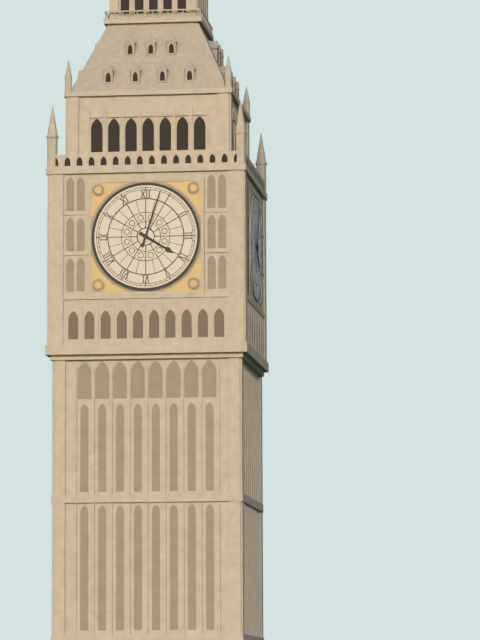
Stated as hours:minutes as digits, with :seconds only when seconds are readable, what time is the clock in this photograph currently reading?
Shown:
4:03
